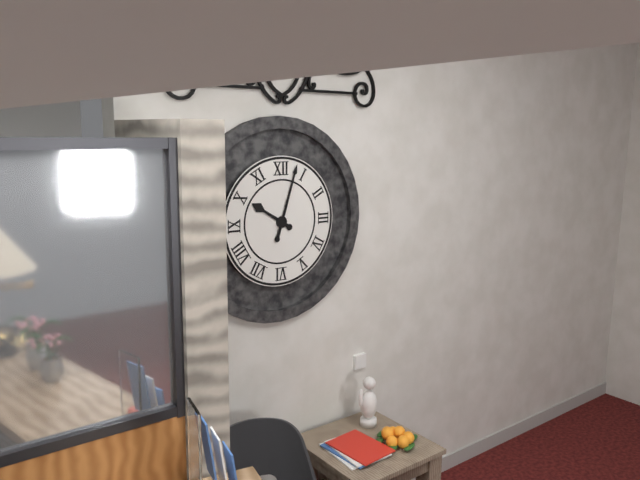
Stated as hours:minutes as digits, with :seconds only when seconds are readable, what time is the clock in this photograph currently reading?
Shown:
10:03
